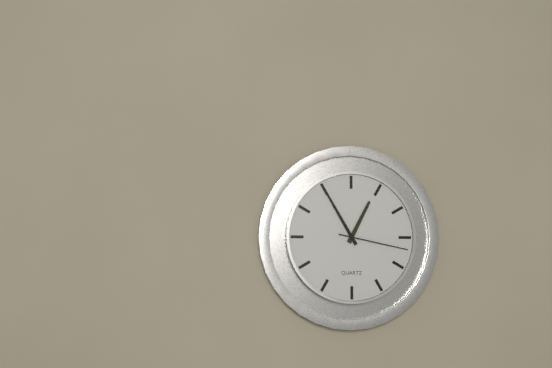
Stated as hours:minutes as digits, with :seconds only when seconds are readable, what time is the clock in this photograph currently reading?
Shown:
12:55:17
